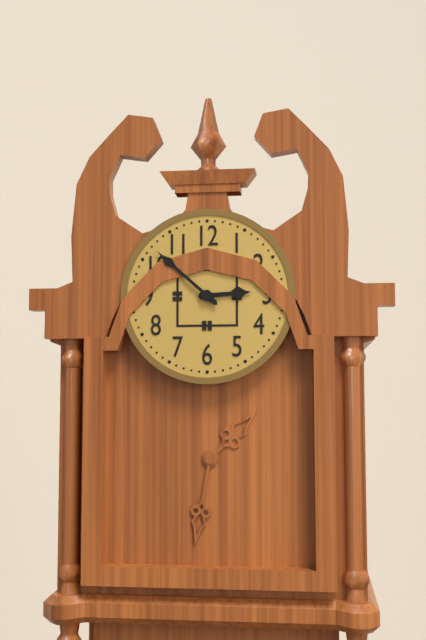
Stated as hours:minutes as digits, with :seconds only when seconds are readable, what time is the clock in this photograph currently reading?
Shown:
2:52
